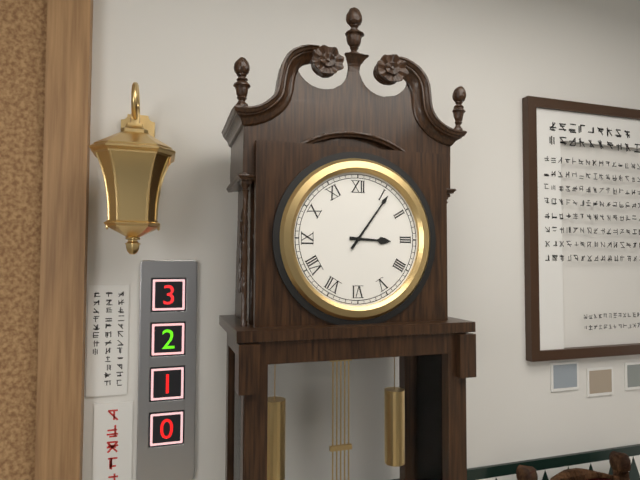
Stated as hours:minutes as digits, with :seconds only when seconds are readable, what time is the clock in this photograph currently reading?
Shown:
3:06
